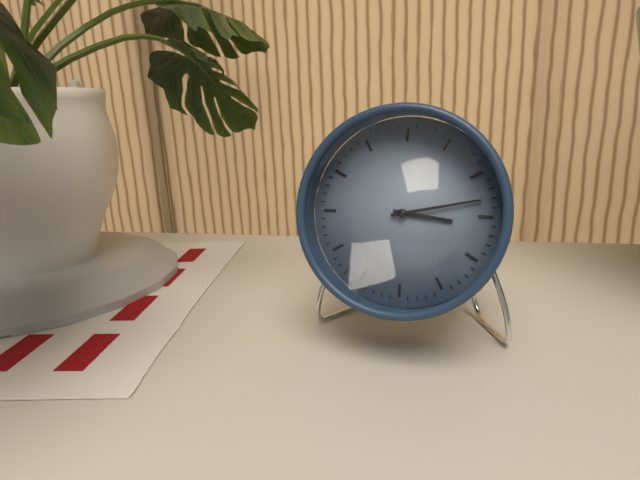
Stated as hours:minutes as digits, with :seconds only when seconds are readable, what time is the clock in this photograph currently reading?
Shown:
3:13
